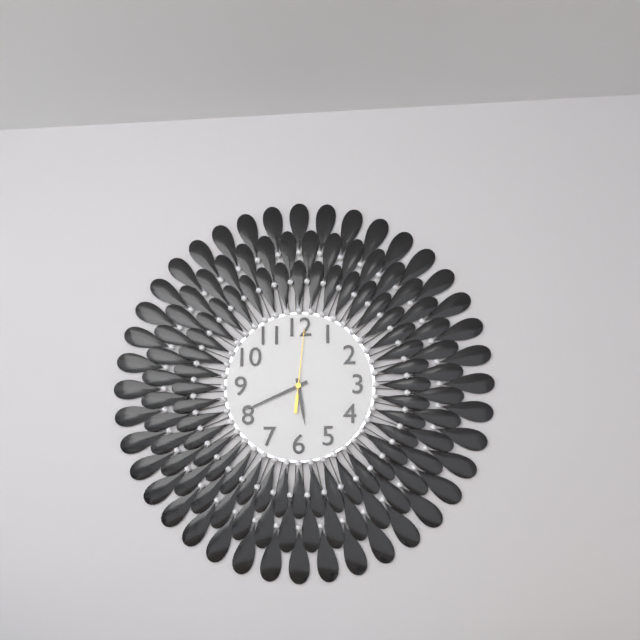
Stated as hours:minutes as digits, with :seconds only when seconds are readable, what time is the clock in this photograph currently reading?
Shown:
5:41:01
